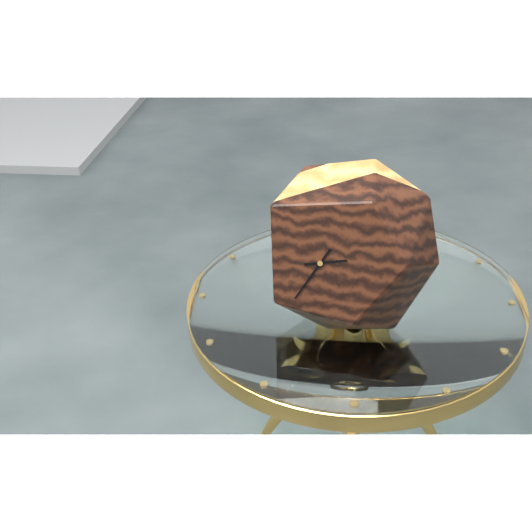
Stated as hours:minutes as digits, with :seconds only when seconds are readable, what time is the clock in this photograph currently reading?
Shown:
2:35
